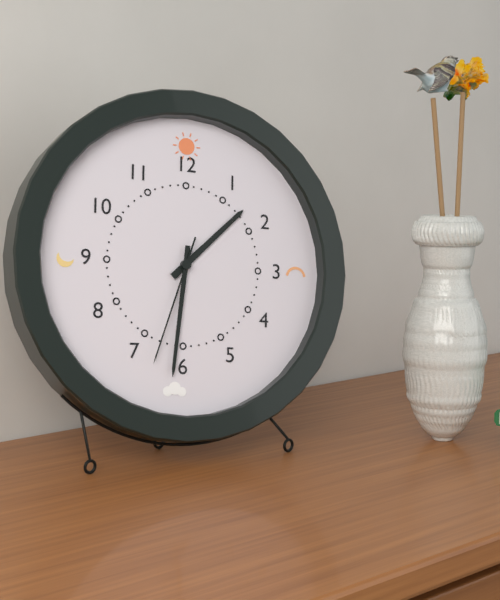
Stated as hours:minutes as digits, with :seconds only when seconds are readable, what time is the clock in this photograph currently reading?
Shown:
1:31:33
